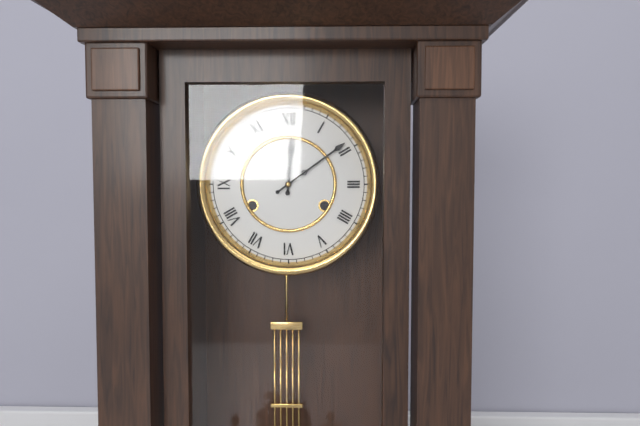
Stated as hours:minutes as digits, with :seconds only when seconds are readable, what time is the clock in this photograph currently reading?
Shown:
12:09
